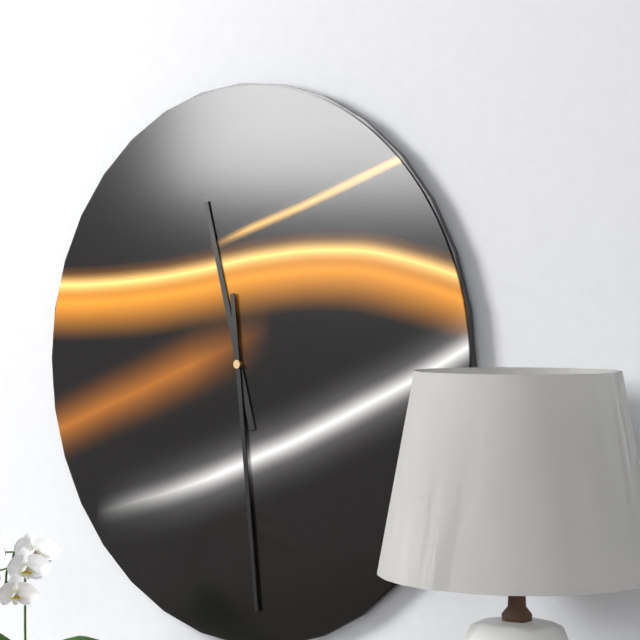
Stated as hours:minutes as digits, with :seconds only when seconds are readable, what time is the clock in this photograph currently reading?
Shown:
11:29
